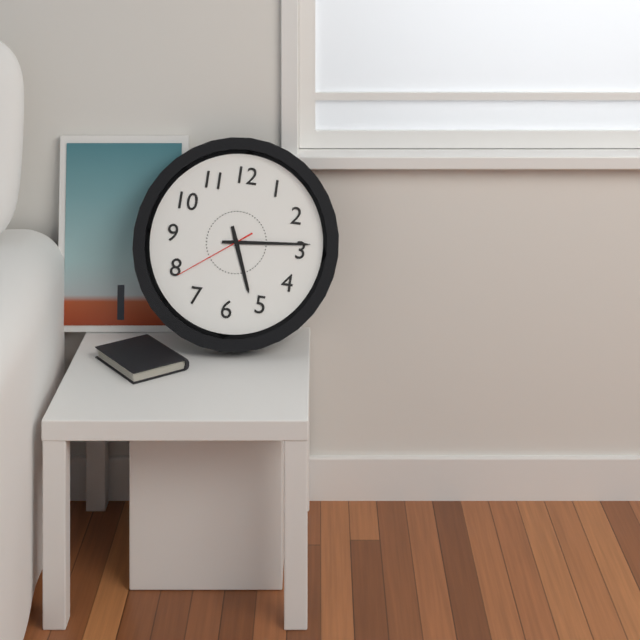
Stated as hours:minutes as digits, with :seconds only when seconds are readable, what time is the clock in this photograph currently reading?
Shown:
5:14:39
